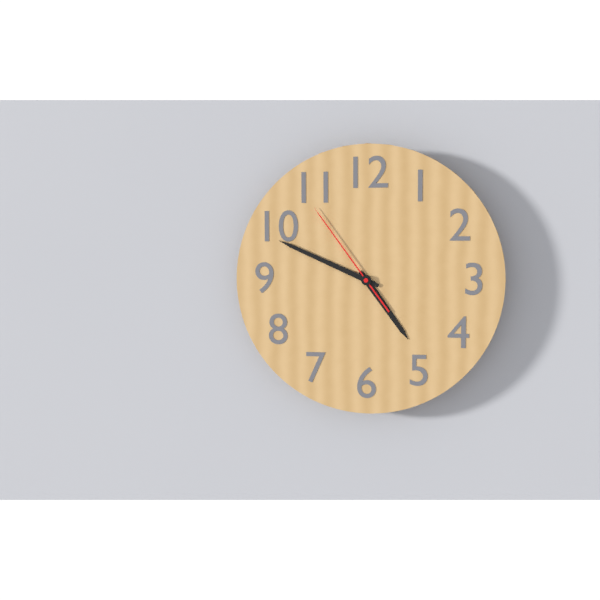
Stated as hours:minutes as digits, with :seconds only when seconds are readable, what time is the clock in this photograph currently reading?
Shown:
4:49:54
